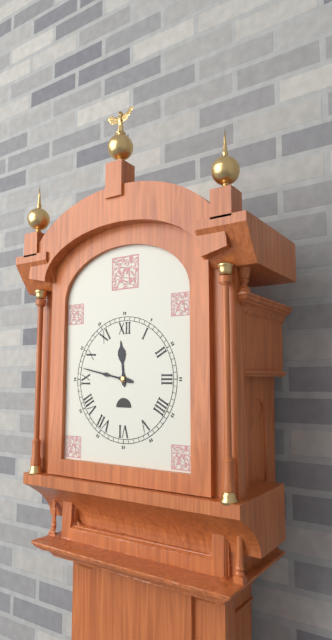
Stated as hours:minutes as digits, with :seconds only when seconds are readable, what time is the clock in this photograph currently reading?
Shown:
11:47
